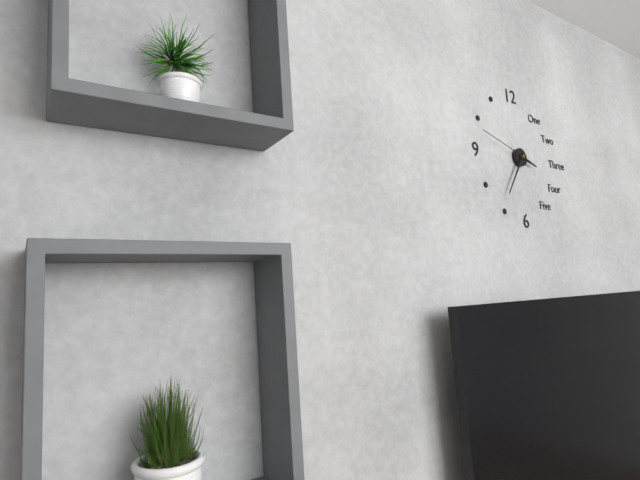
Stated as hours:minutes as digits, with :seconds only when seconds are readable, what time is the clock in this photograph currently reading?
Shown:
3:36:48
